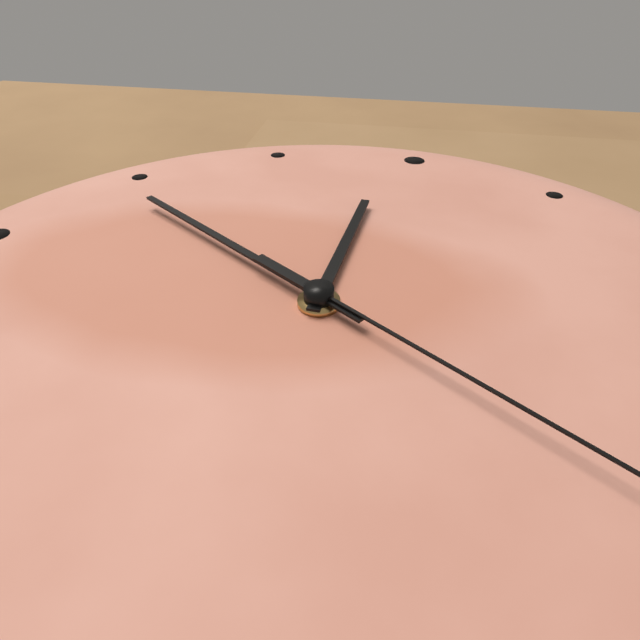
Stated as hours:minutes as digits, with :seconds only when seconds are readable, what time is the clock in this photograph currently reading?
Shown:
11:49
